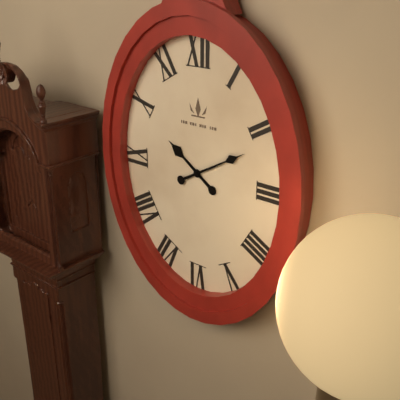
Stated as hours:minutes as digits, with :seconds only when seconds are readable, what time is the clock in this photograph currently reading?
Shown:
10:10
